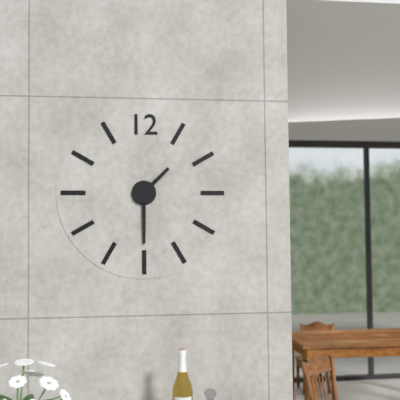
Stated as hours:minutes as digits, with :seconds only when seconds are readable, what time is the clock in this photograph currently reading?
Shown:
1:30
